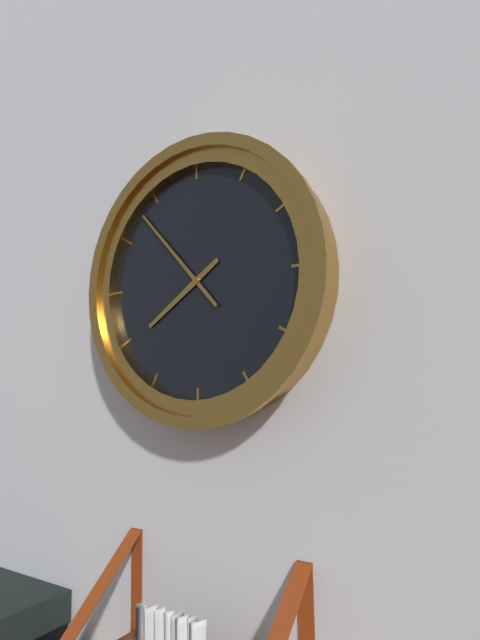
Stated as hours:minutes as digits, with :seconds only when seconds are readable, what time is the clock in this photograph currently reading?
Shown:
7:53
